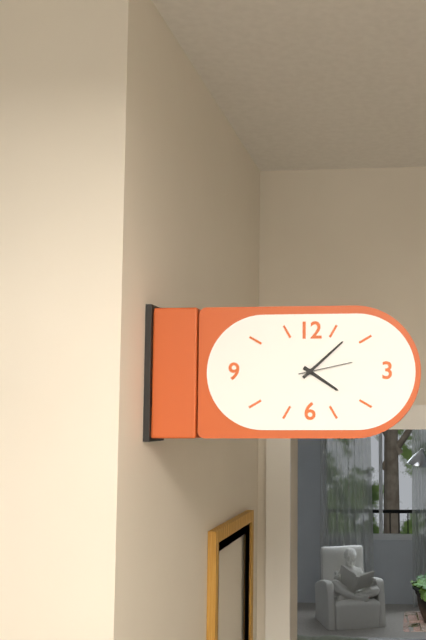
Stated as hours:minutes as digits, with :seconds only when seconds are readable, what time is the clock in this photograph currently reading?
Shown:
4:08:13
